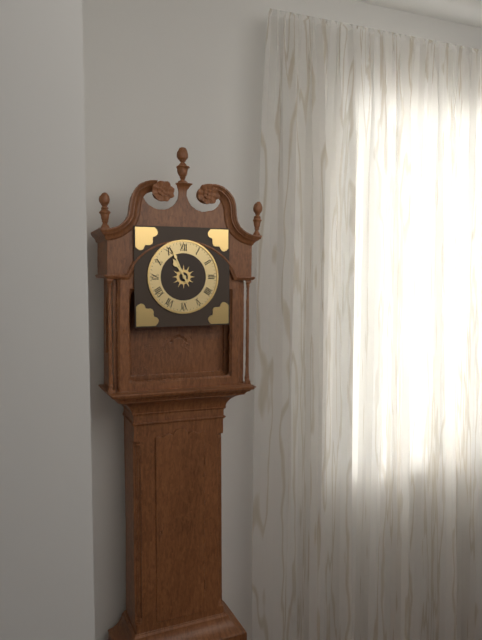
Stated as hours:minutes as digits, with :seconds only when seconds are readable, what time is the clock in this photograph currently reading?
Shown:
10:56
